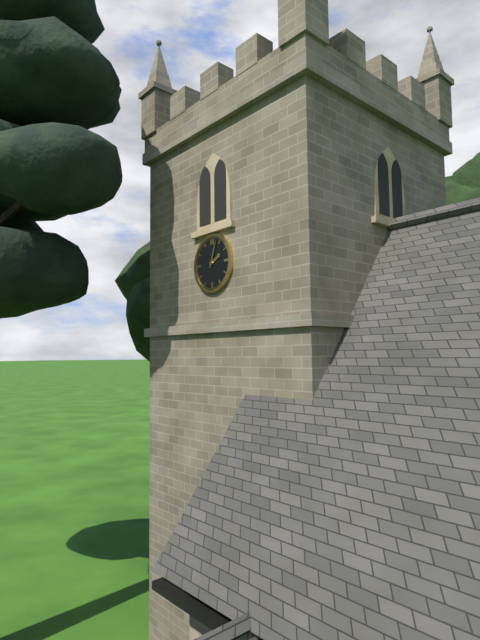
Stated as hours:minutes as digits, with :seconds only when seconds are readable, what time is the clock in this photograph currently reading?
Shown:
2:03
